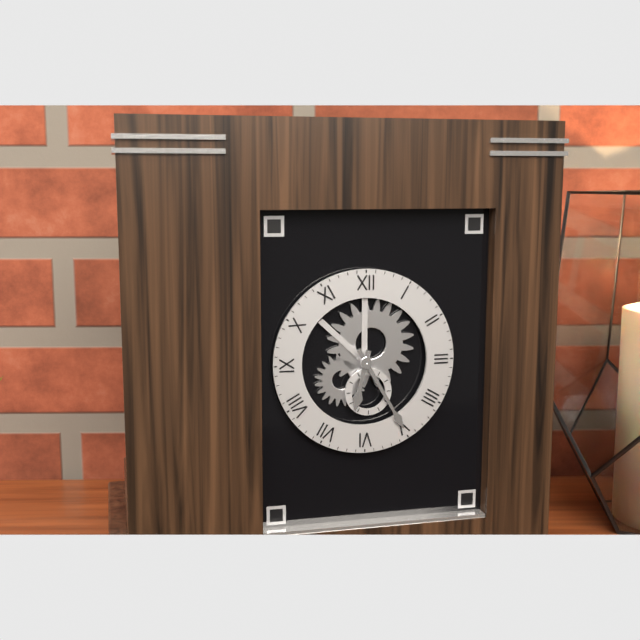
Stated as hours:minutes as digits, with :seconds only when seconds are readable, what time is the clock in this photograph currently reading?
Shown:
6:25
